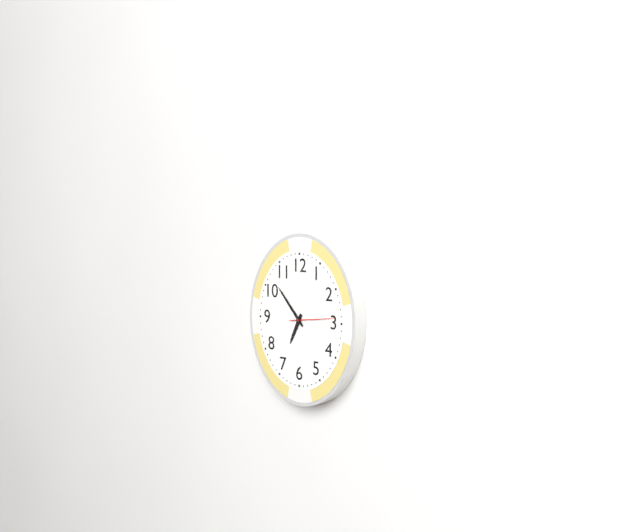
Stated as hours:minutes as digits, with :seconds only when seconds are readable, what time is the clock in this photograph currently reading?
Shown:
6:53
